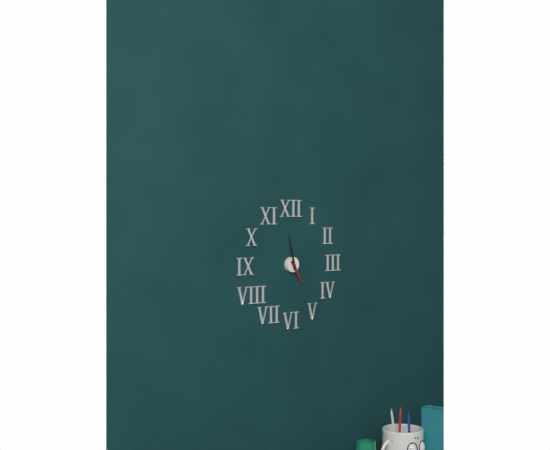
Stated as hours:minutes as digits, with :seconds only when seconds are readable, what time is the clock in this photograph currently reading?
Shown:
4:58
